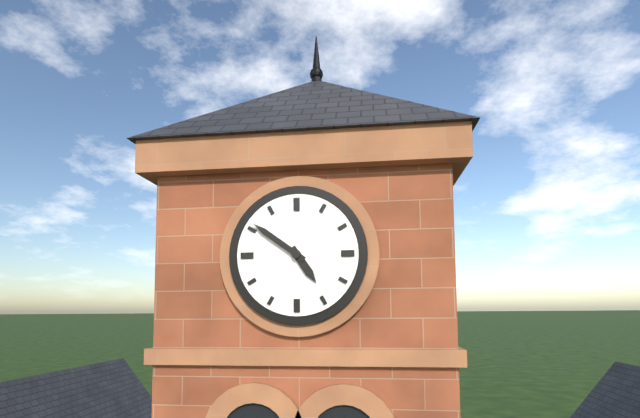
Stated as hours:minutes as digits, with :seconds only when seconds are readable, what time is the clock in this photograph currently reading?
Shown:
4:51
